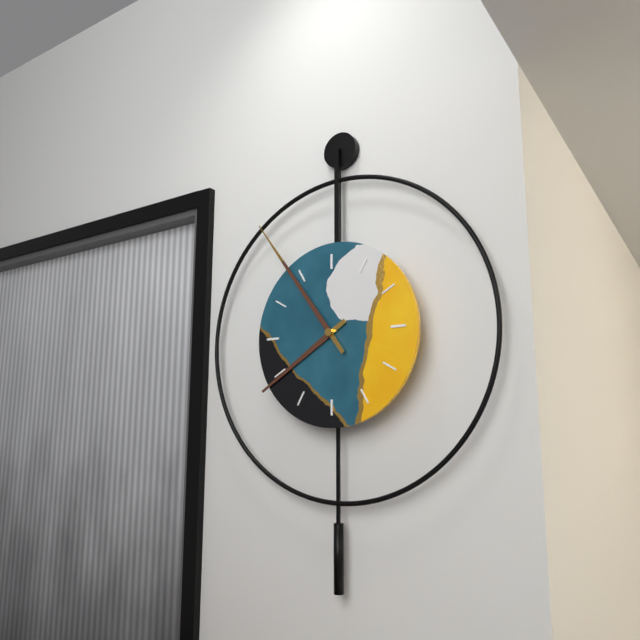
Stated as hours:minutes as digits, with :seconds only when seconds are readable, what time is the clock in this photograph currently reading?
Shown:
7:54
